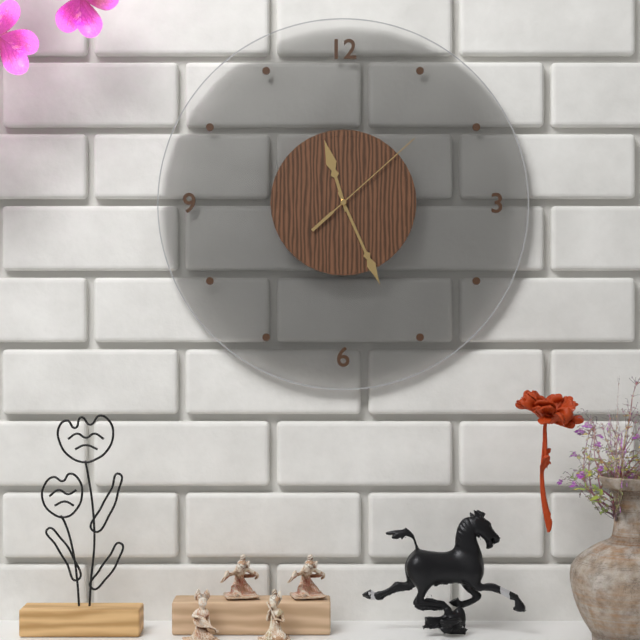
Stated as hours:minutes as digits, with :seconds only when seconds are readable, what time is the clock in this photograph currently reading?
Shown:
11:26:08
